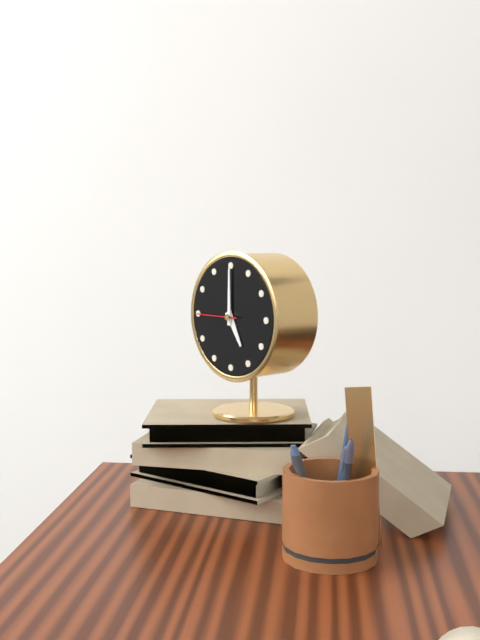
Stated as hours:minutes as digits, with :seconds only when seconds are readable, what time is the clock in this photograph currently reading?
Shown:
5:00
